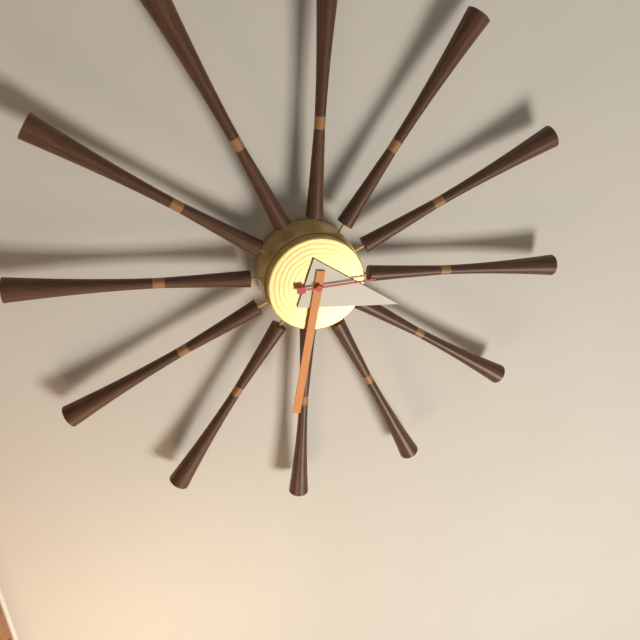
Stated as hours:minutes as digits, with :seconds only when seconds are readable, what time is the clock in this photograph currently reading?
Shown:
3:31:14
